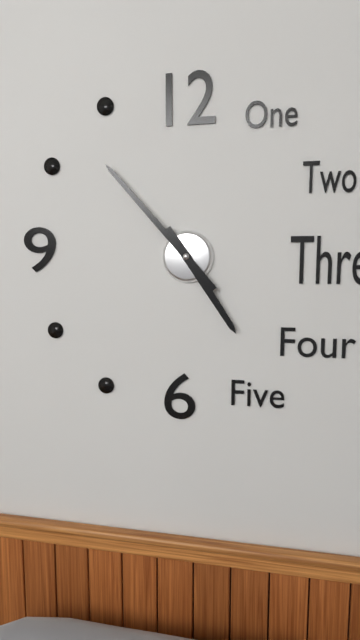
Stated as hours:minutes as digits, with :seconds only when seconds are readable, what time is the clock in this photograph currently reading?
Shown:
4:53
